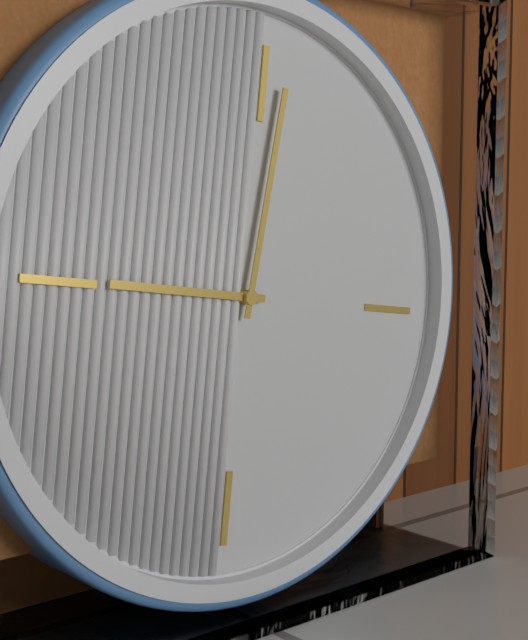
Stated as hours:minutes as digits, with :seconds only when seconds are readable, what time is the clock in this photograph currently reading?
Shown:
9:01
